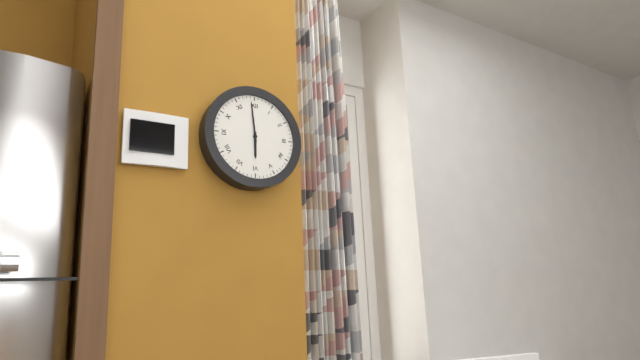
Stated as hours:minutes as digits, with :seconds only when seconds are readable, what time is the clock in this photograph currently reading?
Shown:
5:59
